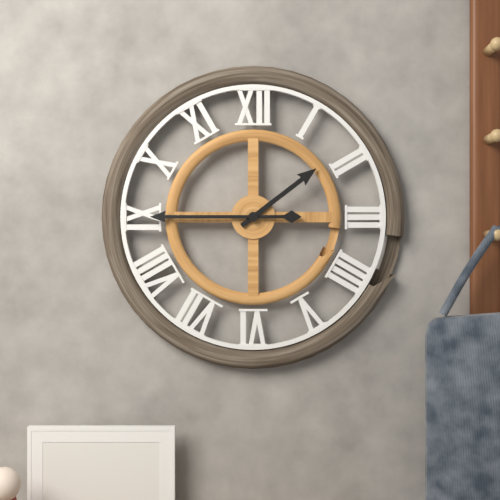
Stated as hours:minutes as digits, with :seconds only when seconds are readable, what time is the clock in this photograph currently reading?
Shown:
1:45
